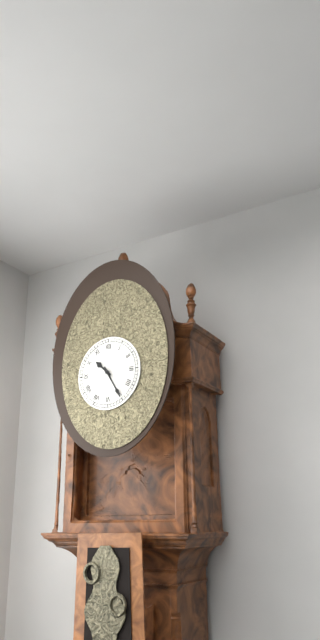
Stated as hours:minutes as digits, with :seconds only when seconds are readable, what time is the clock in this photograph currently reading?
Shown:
10:25
